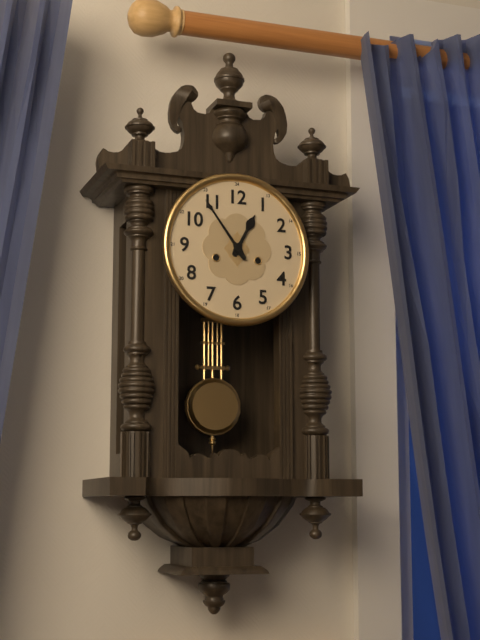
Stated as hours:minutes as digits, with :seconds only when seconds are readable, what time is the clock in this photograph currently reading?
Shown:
12:54
